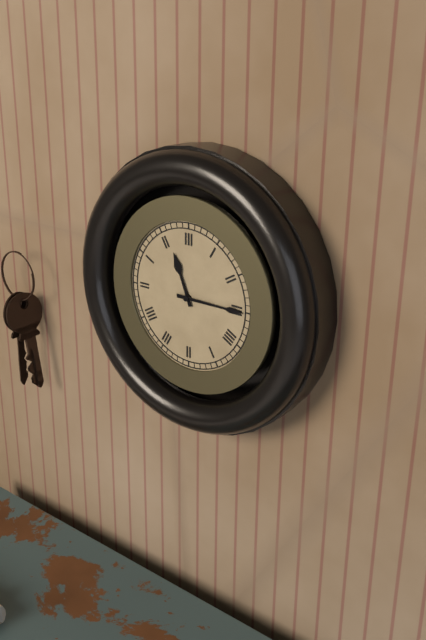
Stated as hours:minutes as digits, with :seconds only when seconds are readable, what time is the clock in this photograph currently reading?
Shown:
11:15
